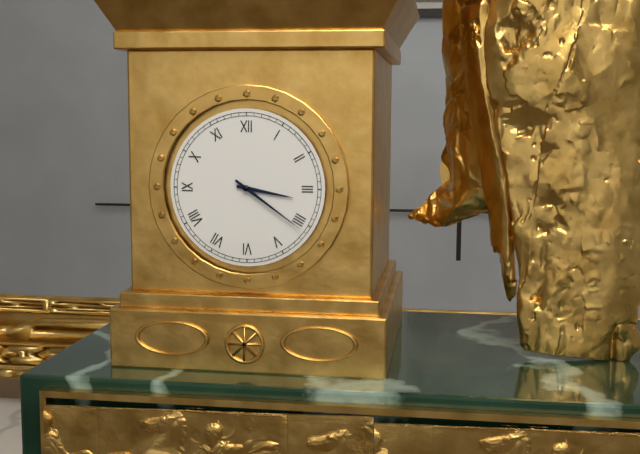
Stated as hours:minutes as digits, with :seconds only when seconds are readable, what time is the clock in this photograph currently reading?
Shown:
3:21
